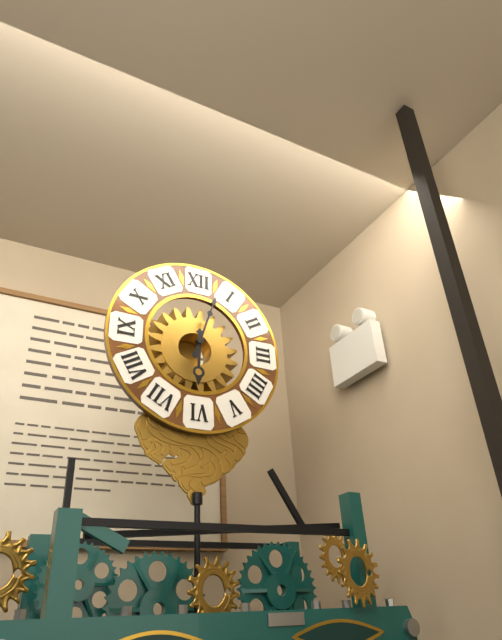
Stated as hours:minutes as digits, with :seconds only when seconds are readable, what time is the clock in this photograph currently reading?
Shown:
6:03
